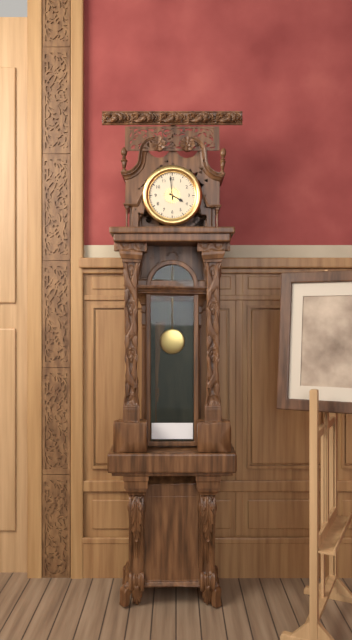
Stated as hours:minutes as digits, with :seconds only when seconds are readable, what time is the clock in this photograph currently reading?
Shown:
3:59
